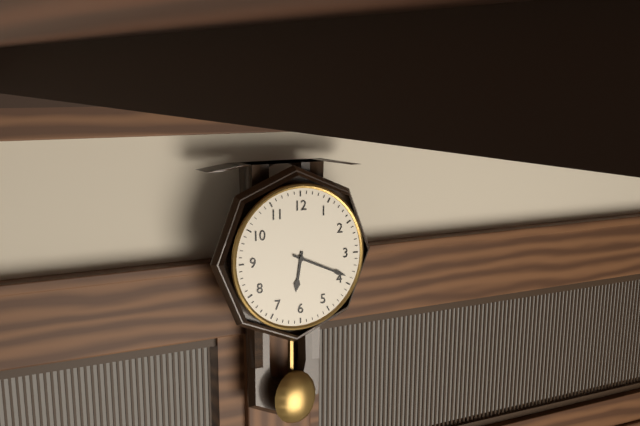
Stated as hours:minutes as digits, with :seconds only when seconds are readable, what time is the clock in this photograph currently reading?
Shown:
6:19
